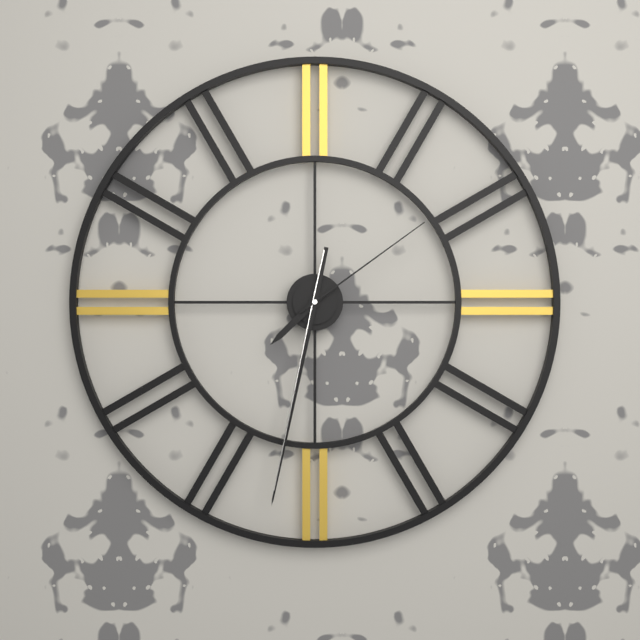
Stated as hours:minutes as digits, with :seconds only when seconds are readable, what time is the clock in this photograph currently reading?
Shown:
7:32:09
